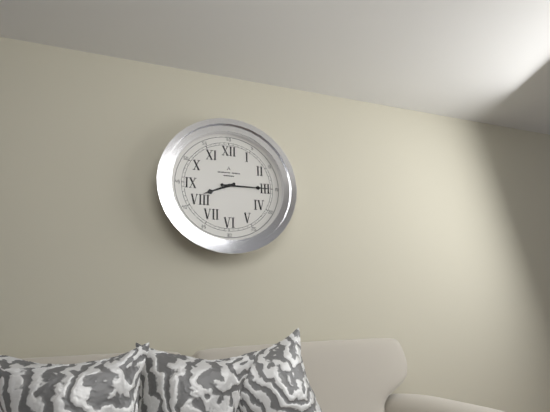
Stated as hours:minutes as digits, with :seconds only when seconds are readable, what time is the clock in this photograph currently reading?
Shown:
8:15
